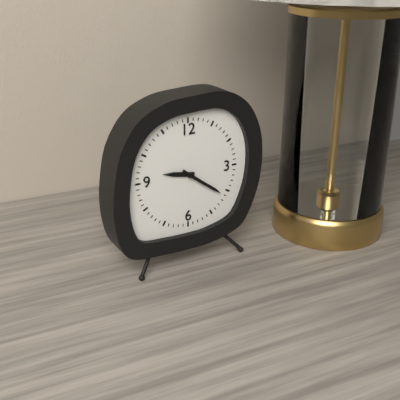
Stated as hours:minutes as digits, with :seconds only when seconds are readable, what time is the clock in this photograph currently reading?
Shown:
9:21
